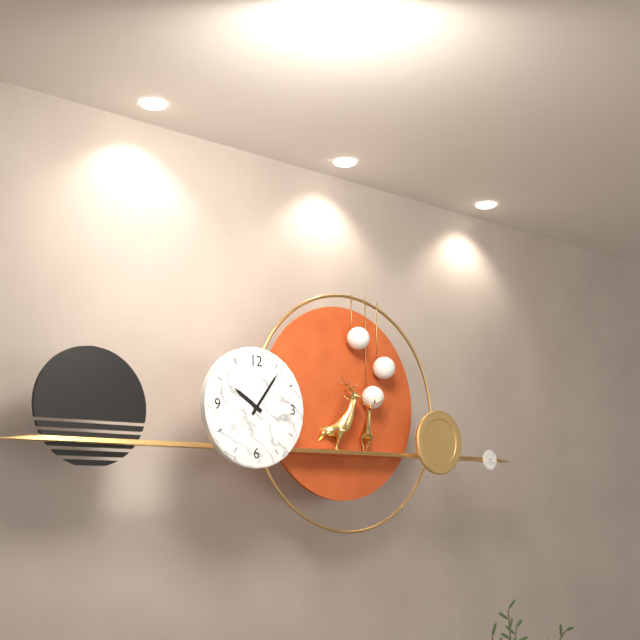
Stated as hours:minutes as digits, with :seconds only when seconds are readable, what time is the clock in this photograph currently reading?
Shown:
10:06
